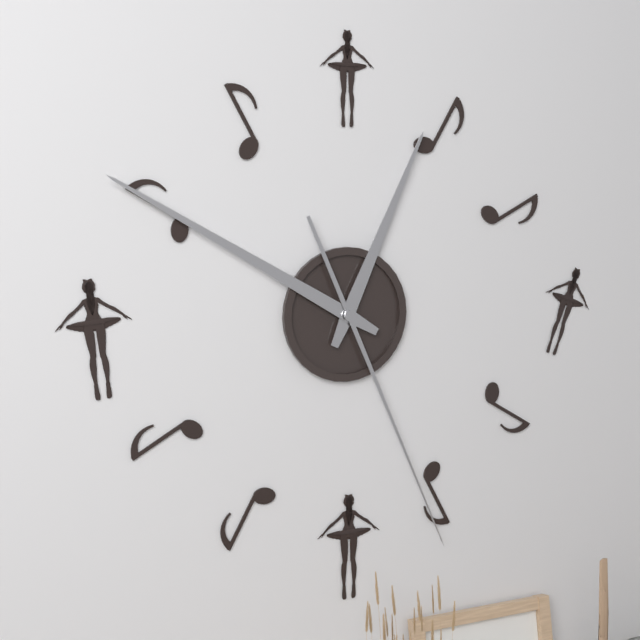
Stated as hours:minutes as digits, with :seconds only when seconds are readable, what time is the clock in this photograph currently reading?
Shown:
12:50:26
